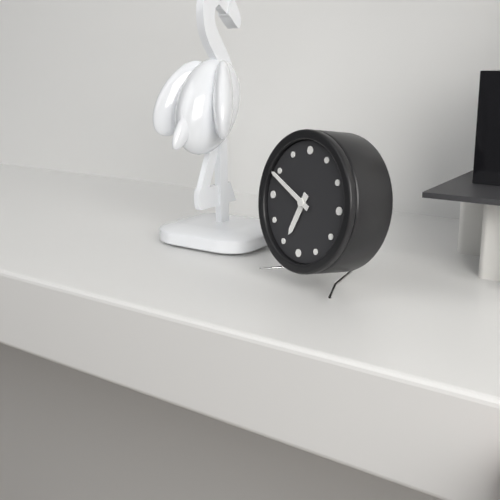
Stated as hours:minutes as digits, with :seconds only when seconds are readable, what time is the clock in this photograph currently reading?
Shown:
6:49
